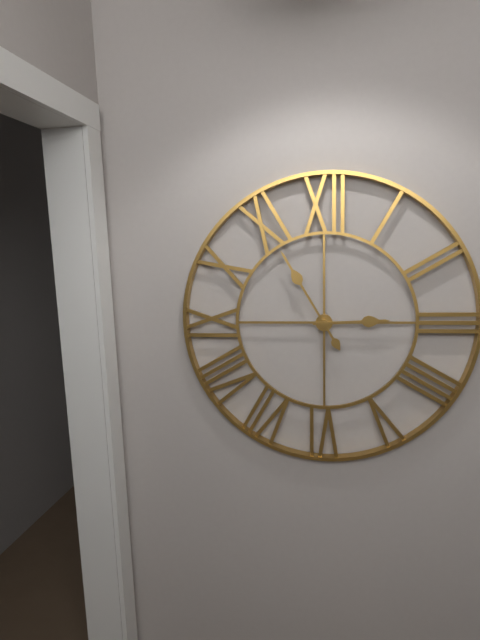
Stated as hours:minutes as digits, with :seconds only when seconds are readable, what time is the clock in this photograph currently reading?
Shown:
2:55
